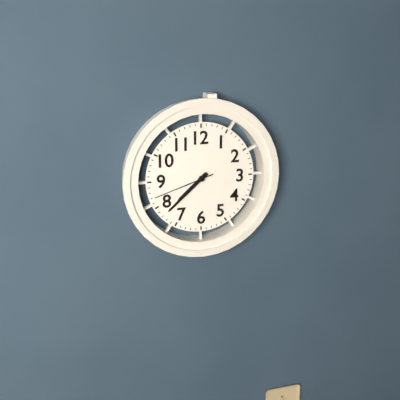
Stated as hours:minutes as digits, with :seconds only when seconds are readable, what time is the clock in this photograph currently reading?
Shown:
7:38:42
